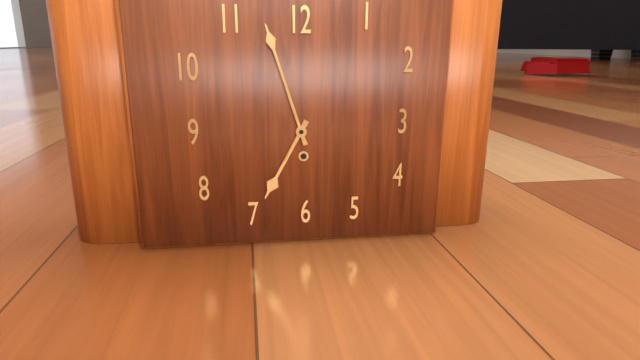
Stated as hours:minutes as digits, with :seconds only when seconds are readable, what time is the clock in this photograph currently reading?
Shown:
6:57
